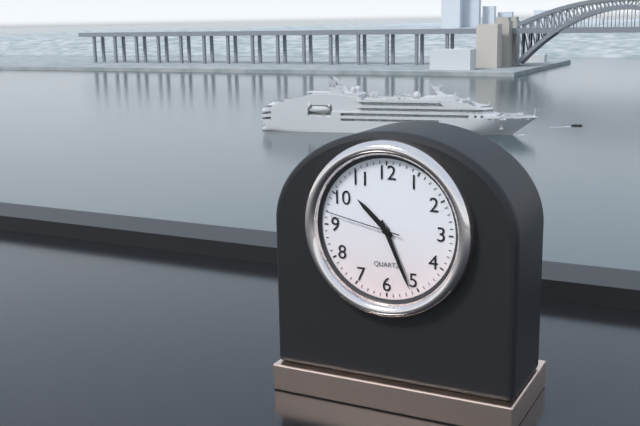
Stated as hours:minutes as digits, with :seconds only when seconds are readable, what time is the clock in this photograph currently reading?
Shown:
10:26:47
